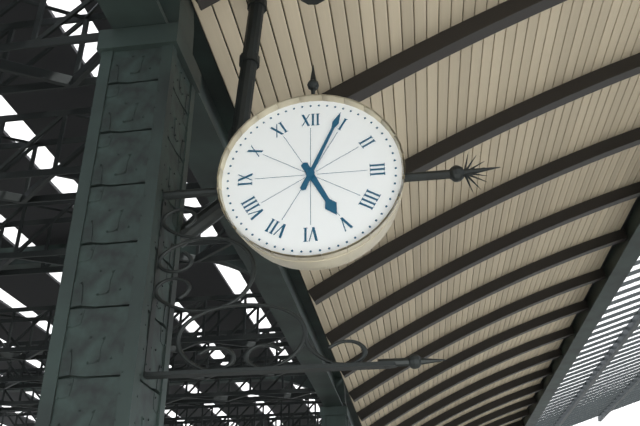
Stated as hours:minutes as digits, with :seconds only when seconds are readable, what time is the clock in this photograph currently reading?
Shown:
5:04
